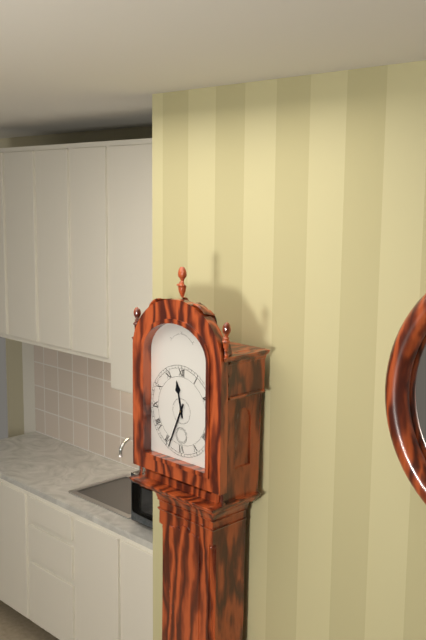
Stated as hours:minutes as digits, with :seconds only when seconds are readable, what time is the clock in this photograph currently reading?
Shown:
11:34
